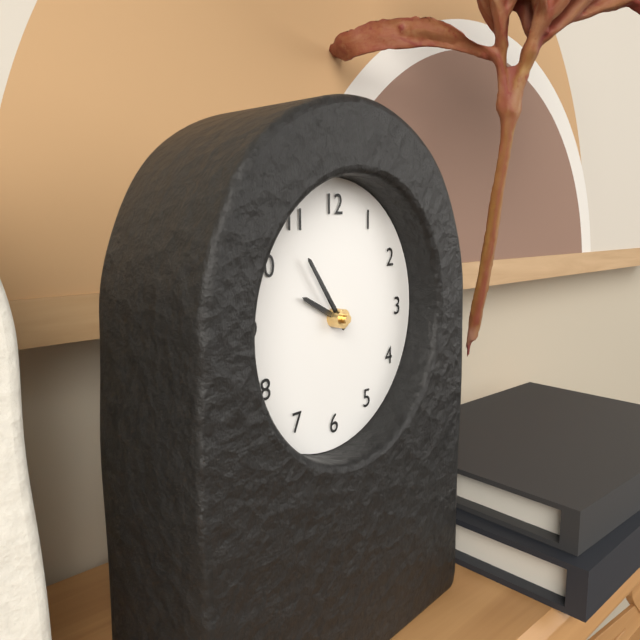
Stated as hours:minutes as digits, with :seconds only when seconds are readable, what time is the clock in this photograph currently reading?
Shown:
9:54
